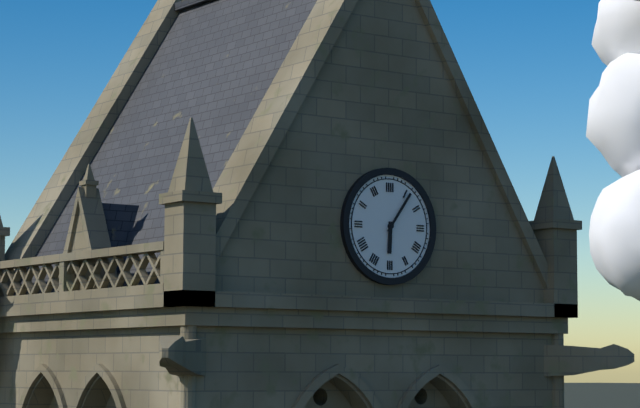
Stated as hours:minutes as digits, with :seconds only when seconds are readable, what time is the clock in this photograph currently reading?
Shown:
6:06
